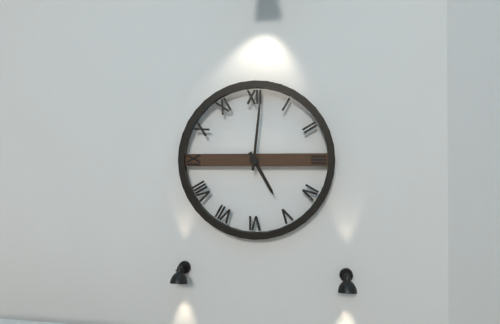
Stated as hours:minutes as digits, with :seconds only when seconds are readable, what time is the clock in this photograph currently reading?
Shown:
5:01
